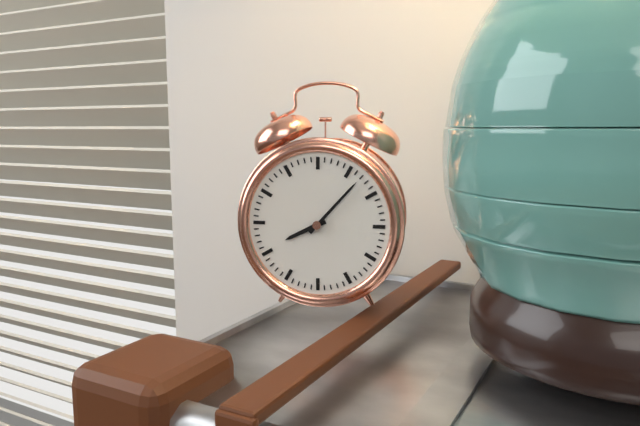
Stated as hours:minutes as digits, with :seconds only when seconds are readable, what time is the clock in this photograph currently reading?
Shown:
8:07
